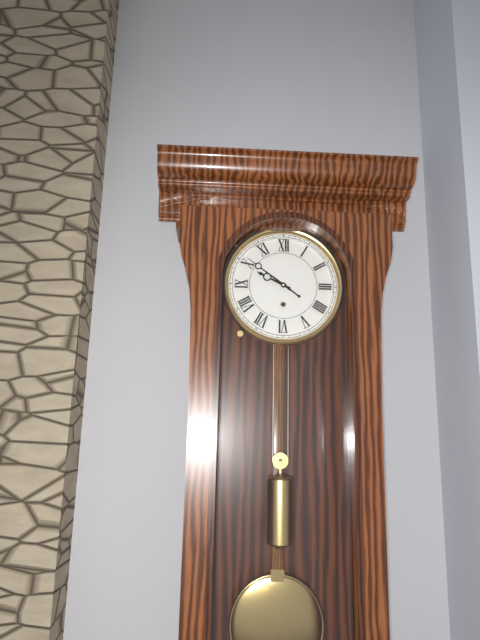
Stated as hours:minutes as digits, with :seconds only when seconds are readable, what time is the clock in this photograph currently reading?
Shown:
9:51
